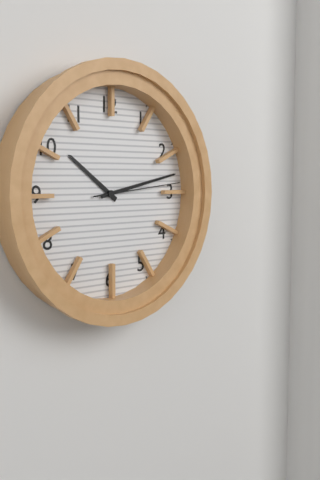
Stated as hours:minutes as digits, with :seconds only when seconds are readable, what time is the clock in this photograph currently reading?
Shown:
10:13:14
